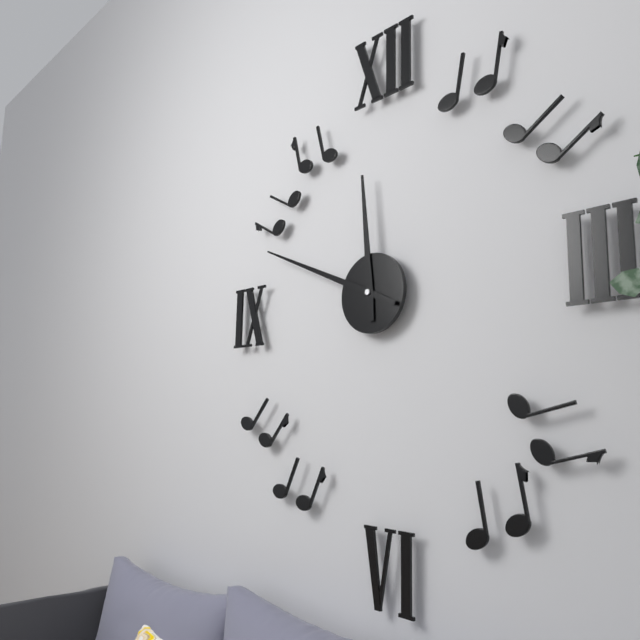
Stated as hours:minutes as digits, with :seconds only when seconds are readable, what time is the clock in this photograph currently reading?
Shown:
11:49
